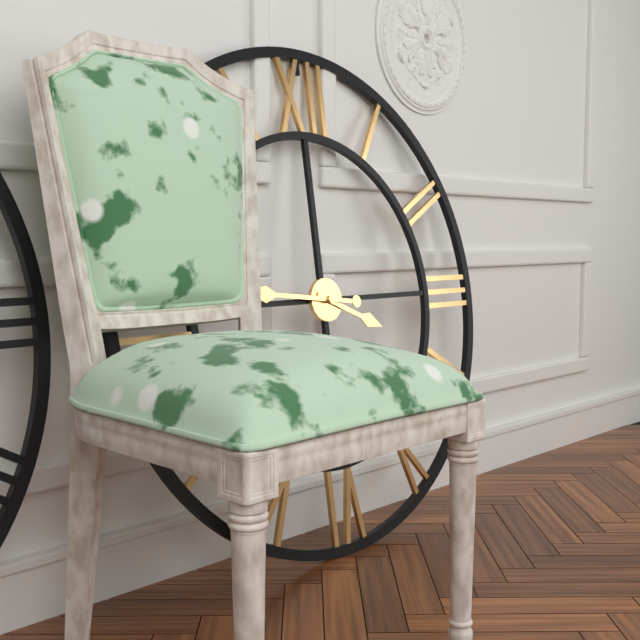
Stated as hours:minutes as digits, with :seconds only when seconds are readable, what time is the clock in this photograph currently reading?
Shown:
3:46
